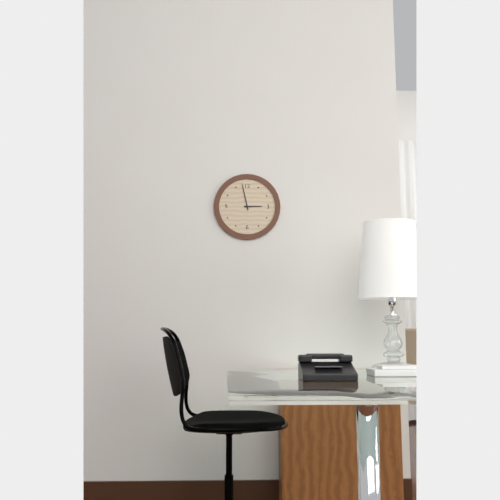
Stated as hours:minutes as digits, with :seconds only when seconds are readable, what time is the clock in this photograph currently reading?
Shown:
2:58
